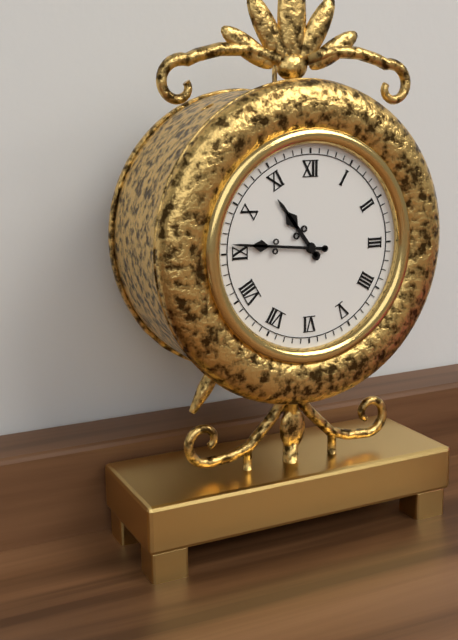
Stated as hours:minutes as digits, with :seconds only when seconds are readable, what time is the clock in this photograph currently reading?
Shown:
10:46
